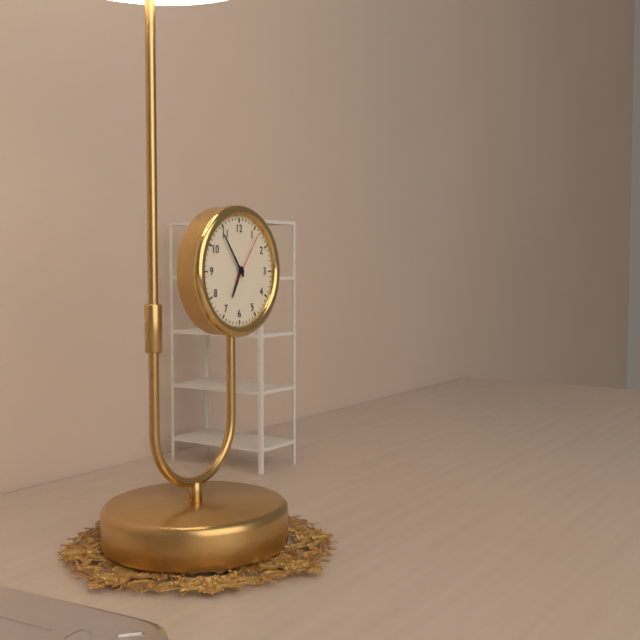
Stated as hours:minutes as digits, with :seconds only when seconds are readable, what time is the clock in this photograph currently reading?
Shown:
6:54:06
